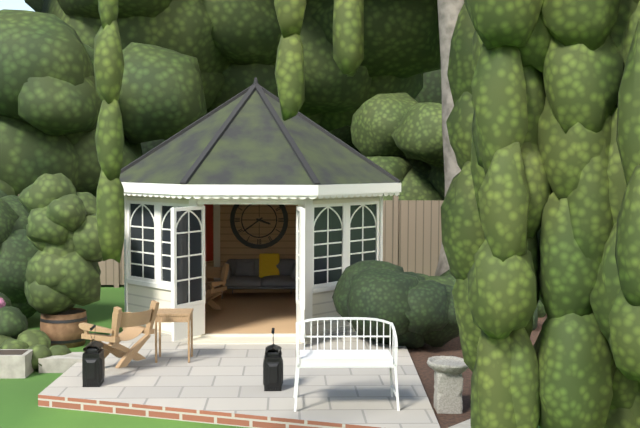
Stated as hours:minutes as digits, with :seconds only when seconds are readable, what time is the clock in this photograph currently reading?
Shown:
3:39
